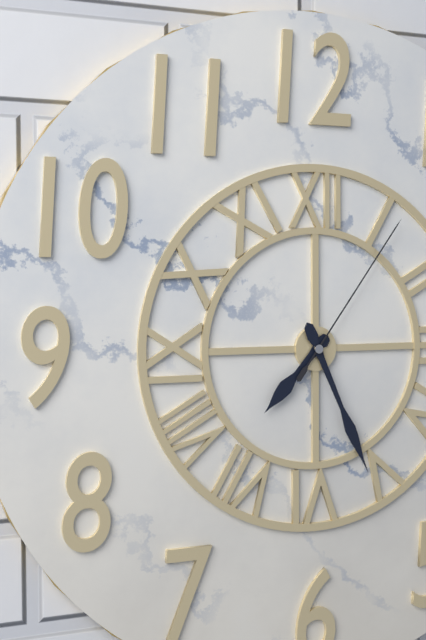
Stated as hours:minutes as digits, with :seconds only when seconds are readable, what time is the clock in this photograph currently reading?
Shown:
7:26:06
